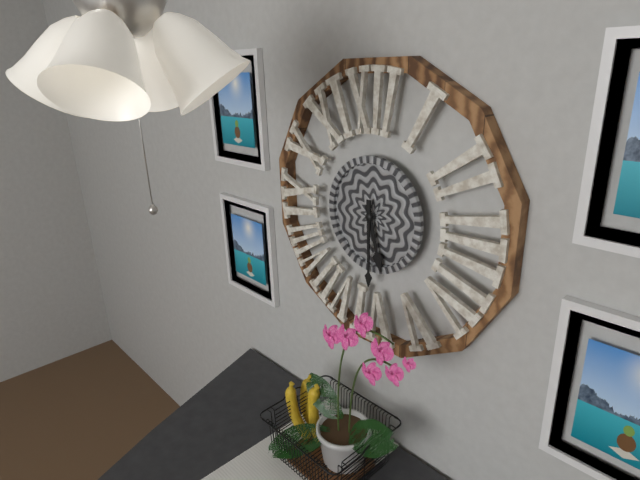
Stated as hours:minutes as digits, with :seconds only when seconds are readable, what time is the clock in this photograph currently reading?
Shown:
5:30
